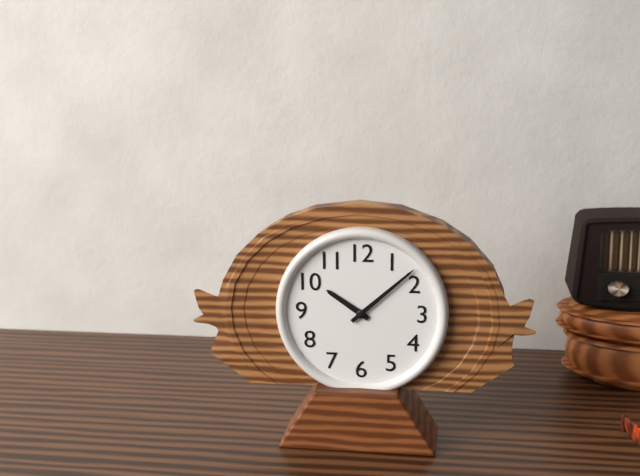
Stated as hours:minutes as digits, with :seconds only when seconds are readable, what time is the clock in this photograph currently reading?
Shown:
10:08
